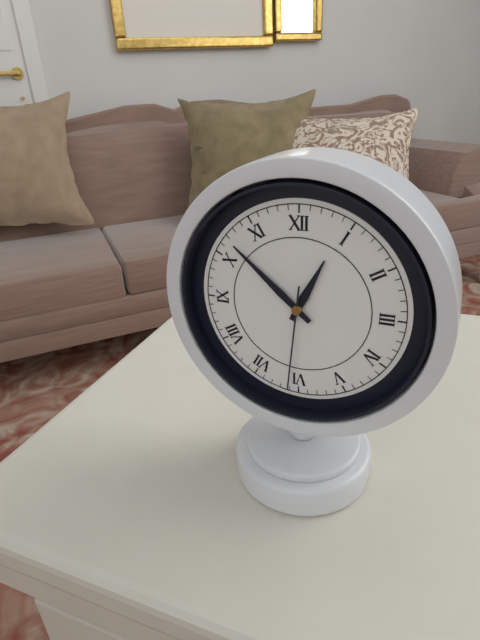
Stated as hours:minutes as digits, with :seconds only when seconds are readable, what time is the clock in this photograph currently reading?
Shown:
12:52:31
